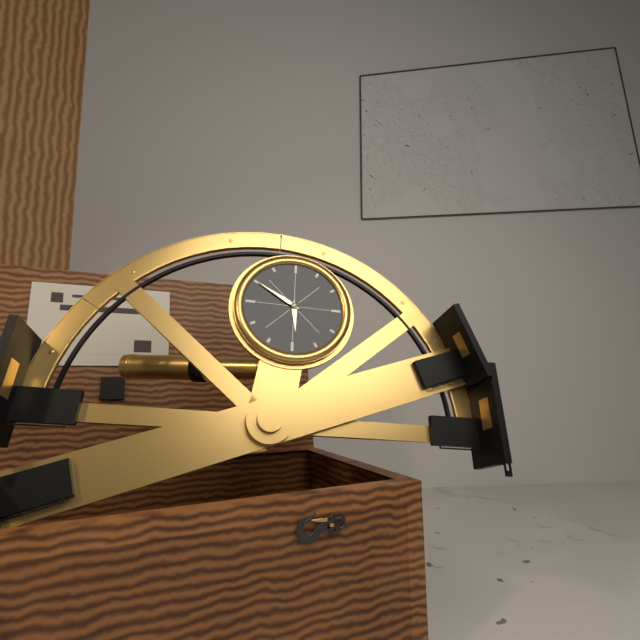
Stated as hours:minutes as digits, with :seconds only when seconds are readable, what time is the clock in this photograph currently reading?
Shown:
5:50
